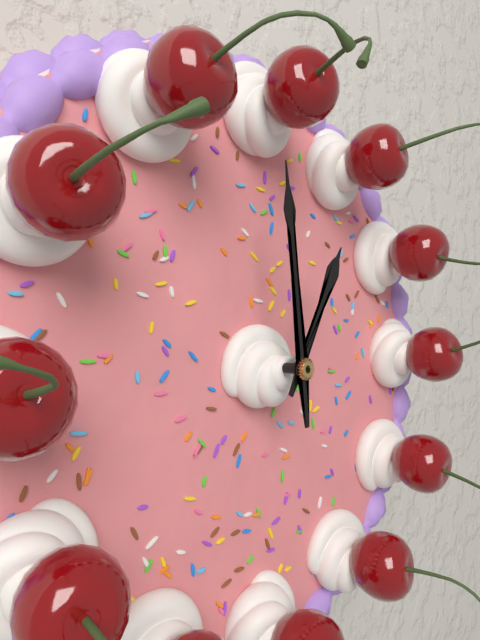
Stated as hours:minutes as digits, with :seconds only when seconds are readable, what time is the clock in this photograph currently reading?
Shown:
12:59
